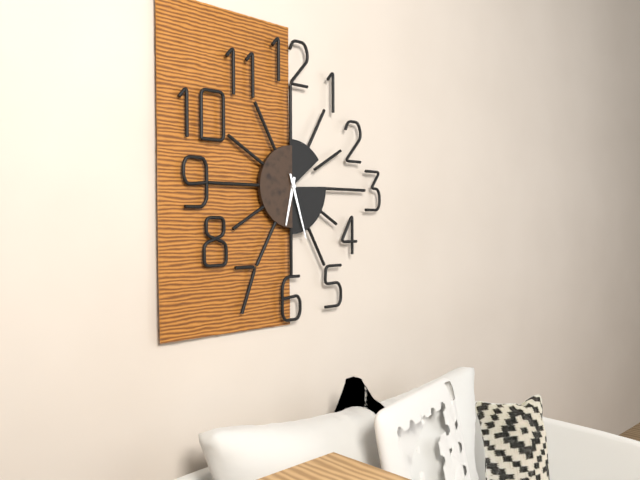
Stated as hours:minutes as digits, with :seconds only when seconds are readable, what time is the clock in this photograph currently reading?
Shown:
6:27
